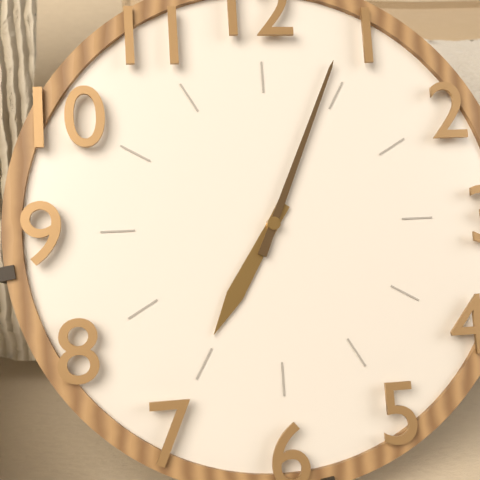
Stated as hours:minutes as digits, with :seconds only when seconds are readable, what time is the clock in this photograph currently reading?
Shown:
7:04
